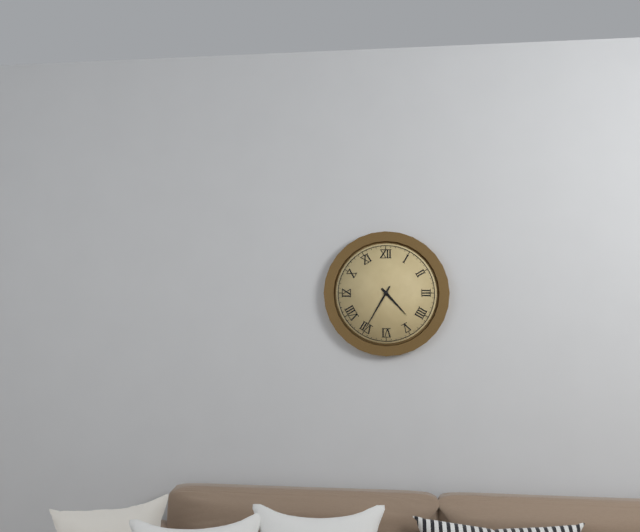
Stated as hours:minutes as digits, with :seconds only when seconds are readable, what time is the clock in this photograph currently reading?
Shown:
4:35
